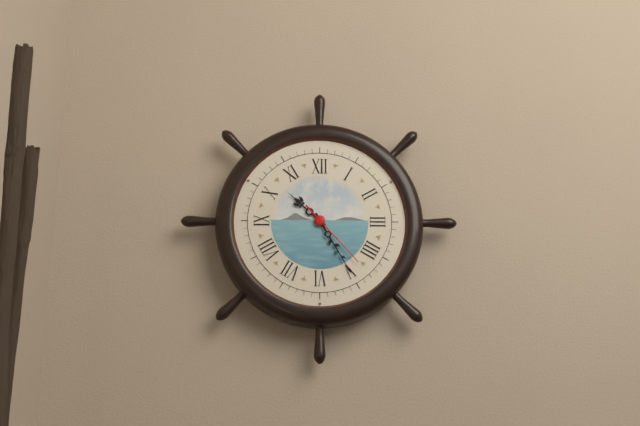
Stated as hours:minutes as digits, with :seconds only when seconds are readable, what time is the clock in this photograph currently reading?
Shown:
10:25:23
